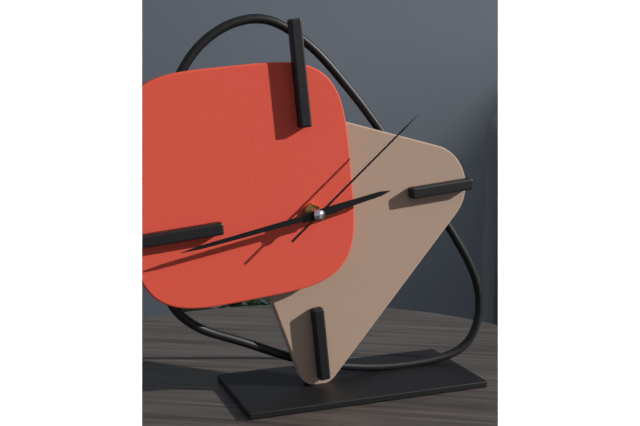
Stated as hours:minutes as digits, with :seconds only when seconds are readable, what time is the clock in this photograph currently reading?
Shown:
2:44:09
